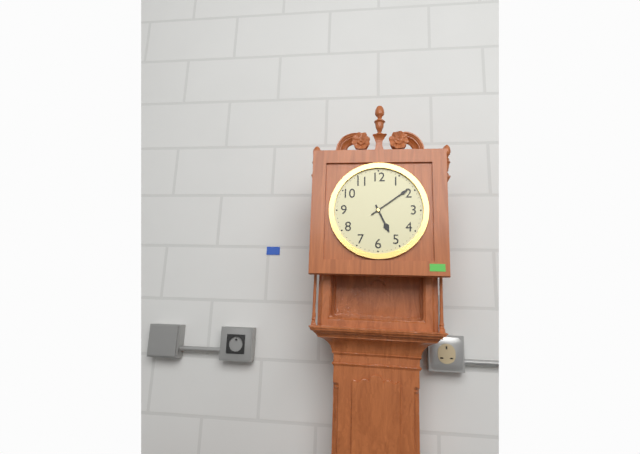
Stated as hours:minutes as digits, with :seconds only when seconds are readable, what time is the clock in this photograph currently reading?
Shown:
5:09
